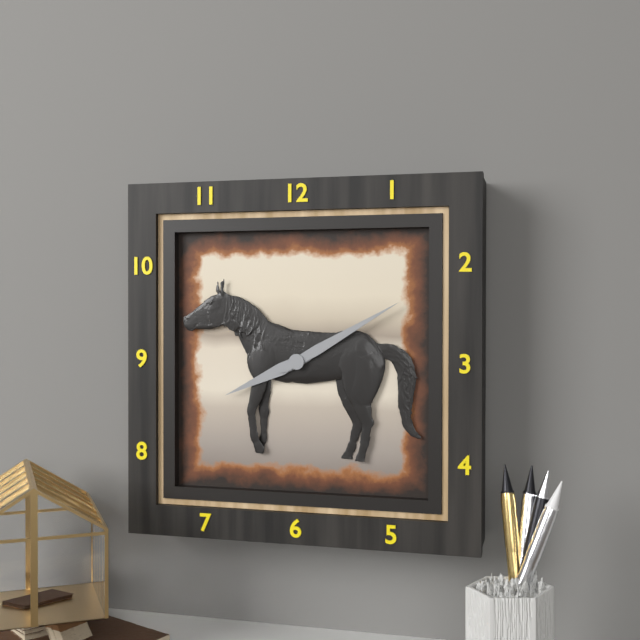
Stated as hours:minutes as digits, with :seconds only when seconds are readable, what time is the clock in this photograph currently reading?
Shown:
8:10
